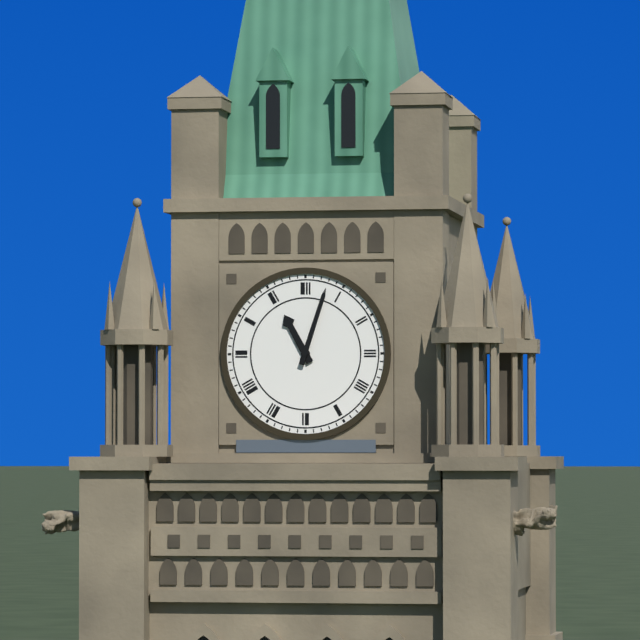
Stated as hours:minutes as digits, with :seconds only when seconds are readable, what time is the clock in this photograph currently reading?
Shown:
11:03
